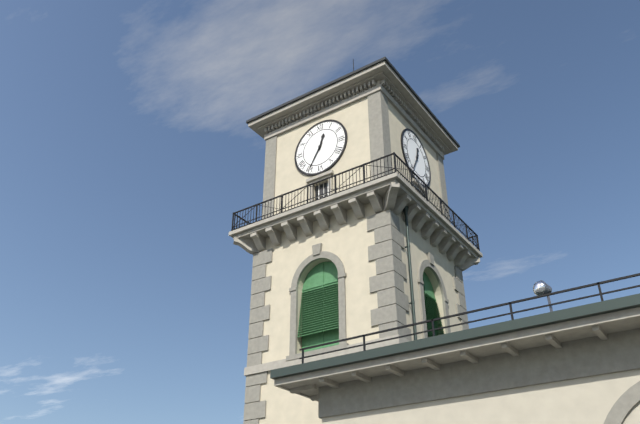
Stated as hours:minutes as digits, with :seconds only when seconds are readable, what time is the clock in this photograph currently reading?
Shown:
12:35
